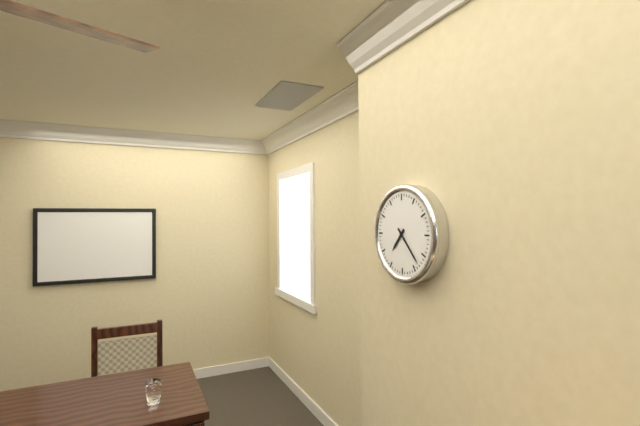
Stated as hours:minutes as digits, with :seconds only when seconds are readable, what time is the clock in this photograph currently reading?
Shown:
7:23
